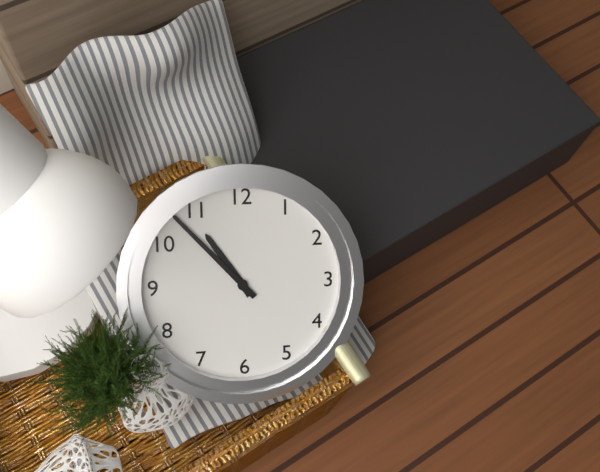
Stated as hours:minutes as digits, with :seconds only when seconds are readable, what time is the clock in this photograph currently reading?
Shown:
10:53
